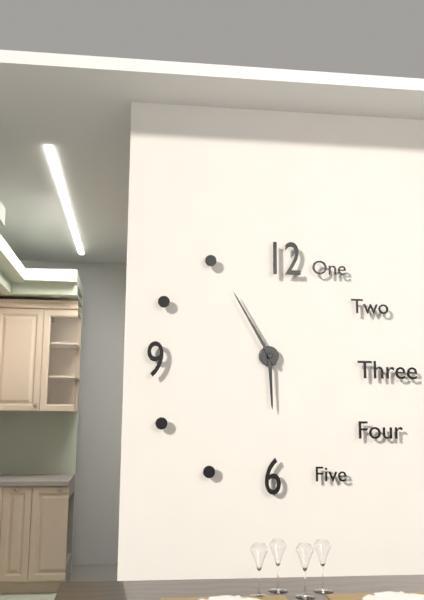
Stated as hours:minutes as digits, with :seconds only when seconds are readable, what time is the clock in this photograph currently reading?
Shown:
5:55
